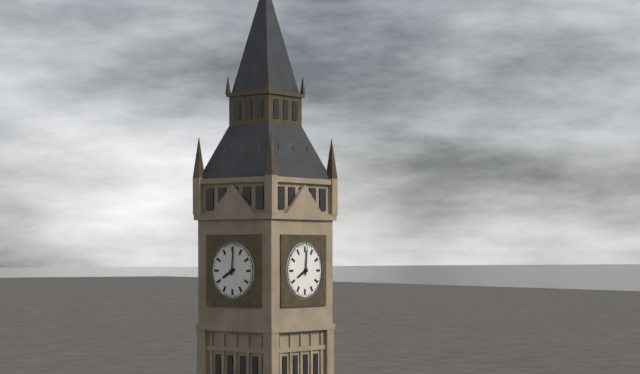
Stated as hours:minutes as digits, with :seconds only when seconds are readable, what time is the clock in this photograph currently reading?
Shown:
8:01
